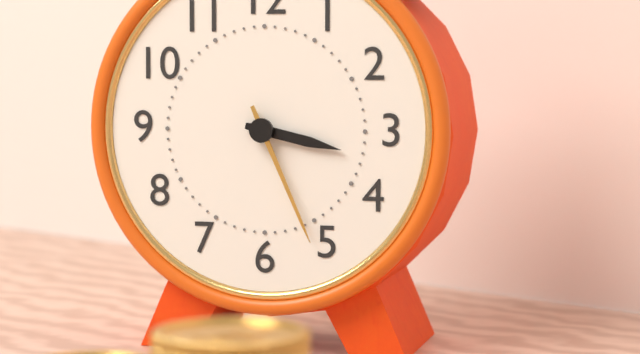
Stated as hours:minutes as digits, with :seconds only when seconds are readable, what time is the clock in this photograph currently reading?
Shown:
3:26
